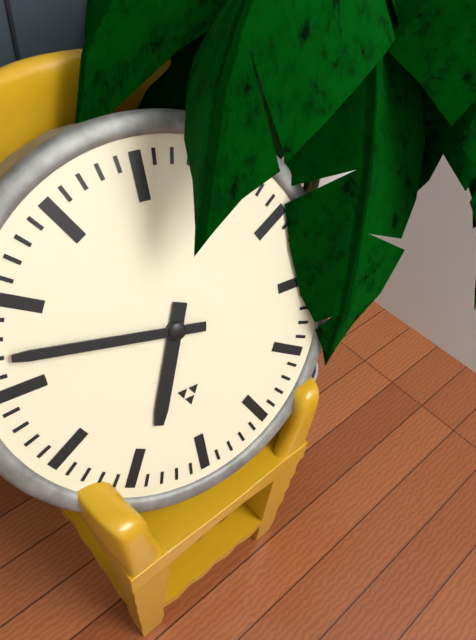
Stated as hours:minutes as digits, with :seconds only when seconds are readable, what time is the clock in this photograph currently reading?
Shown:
6:47
